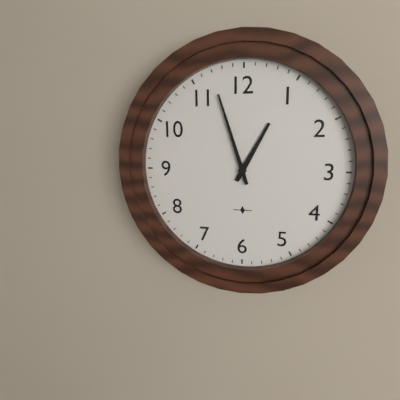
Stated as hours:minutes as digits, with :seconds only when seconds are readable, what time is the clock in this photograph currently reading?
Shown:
12:57
